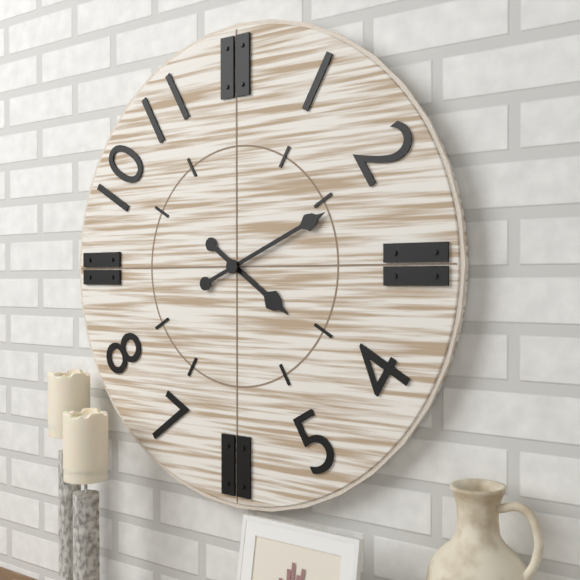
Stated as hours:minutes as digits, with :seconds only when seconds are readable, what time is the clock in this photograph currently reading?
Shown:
4:11
